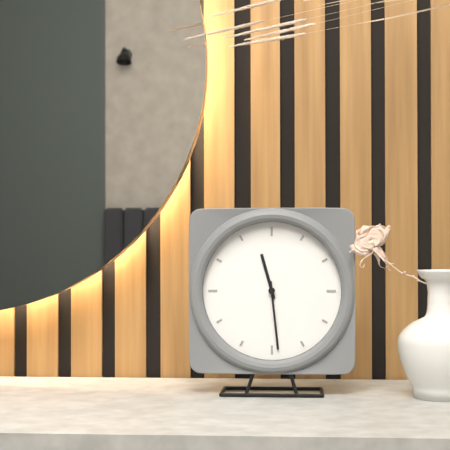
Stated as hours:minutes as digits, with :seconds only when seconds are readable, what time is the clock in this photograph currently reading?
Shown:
11:29
